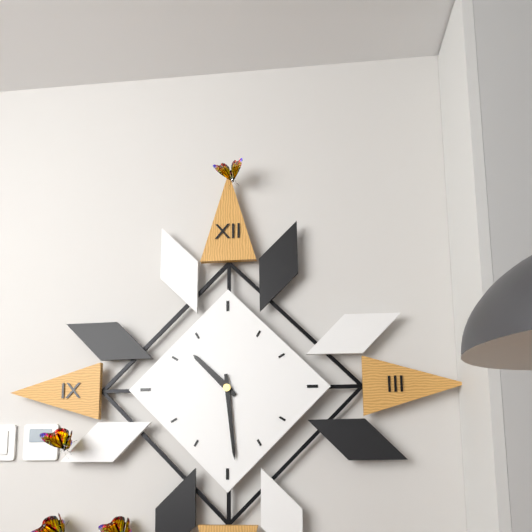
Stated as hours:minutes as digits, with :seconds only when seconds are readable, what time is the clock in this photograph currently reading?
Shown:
10:29
